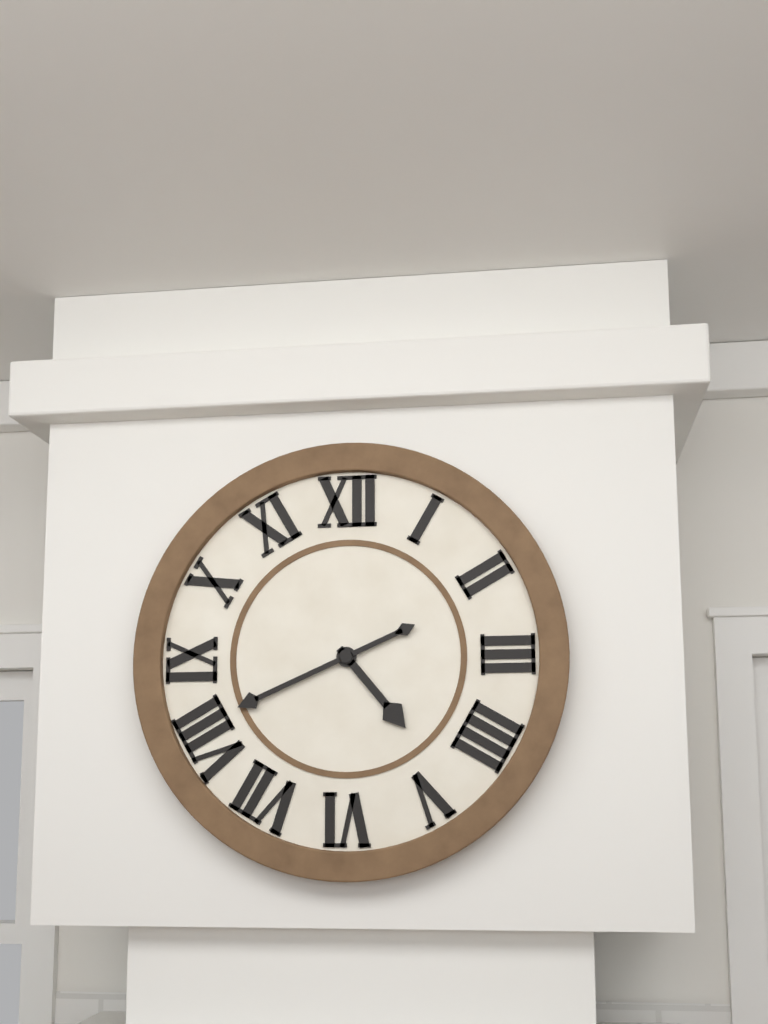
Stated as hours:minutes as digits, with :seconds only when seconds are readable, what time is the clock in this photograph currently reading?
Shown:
4:41
